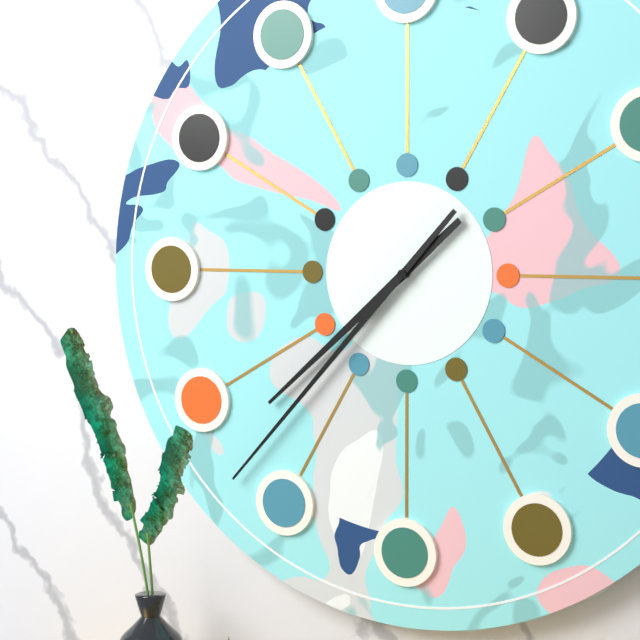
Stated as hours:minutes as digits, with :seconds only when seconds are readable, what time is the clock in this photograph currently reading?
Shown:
7:37
